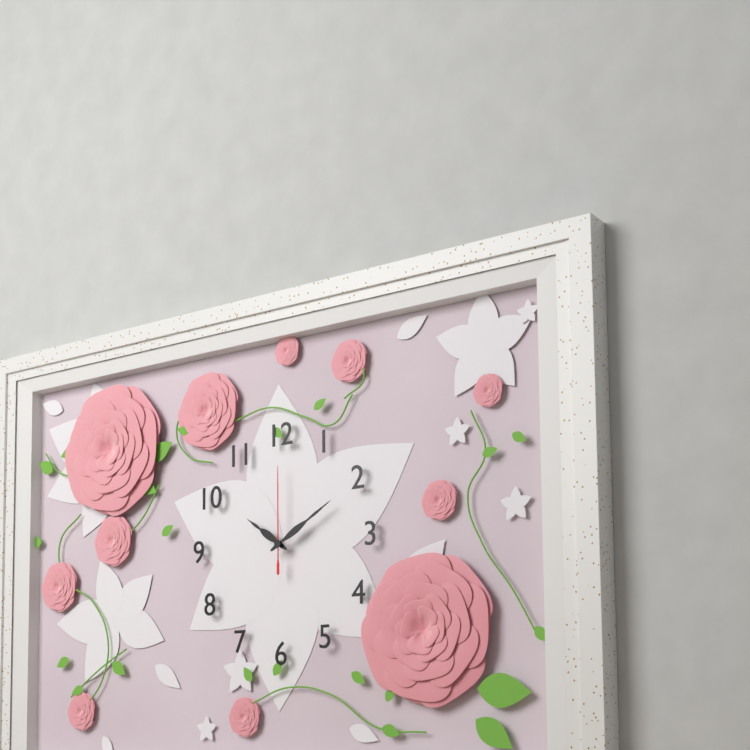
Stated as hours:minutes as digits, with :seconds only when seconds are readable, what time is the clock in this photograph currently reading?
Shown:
10:10:00
